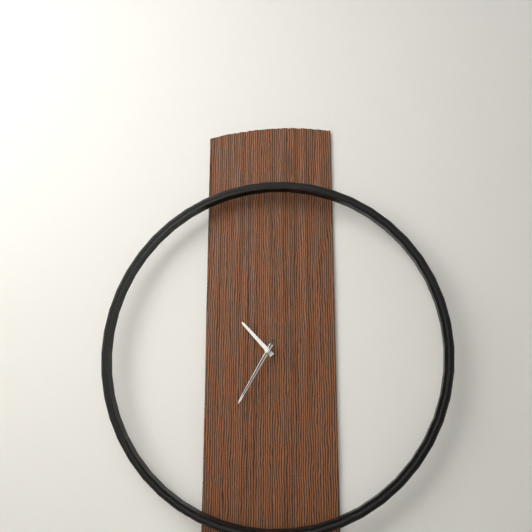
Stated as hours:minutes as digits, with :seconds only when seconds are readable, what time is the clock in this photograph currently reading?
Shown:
10:35:35
